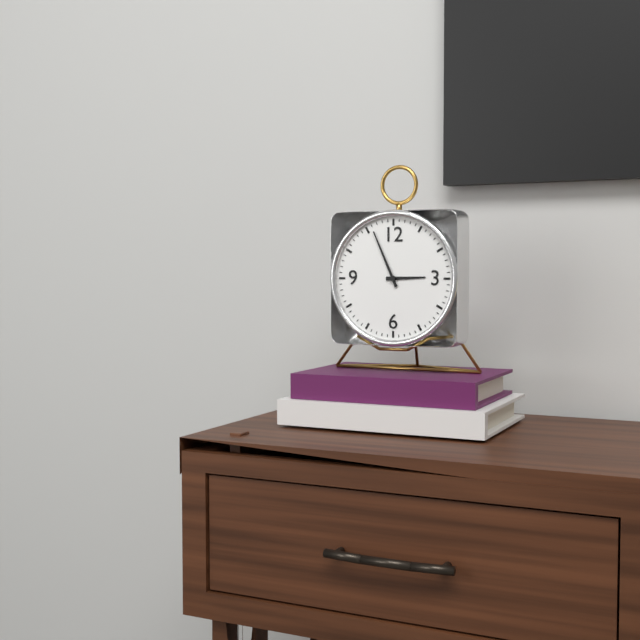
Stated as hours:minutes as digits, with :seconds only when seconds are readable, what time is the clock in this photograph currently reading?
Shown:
2:56
